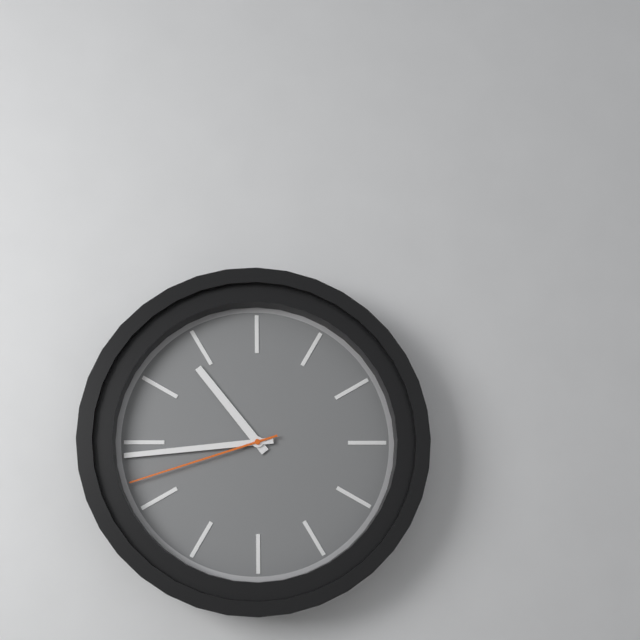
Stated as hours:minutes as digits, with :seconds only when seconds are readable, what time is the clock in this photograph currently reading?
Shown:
10:44:42
